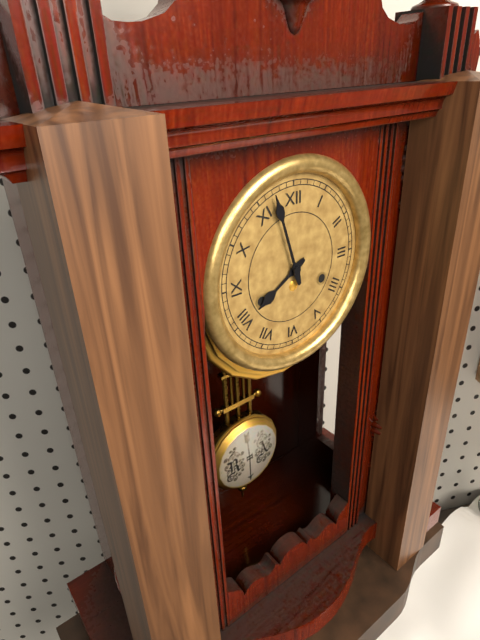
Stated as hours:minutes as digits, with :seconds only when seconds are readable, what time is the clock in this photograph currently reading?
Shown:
7:57
